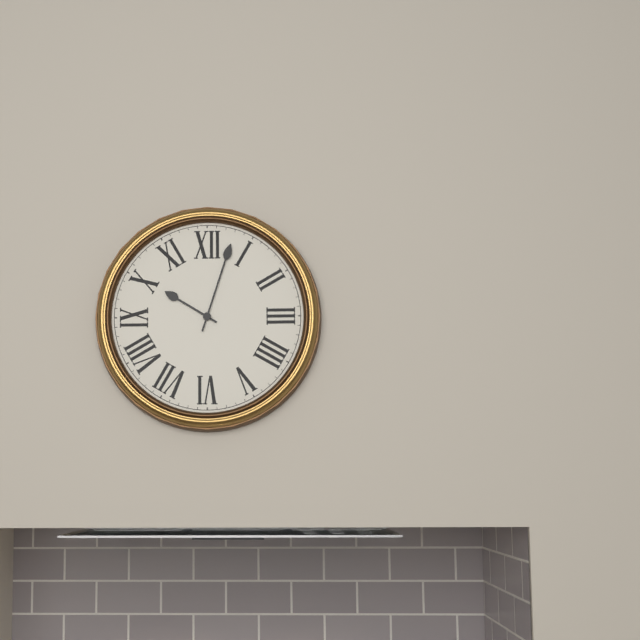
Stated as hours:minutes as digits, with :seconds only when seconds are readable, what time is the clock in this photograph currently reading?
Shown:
10:03
